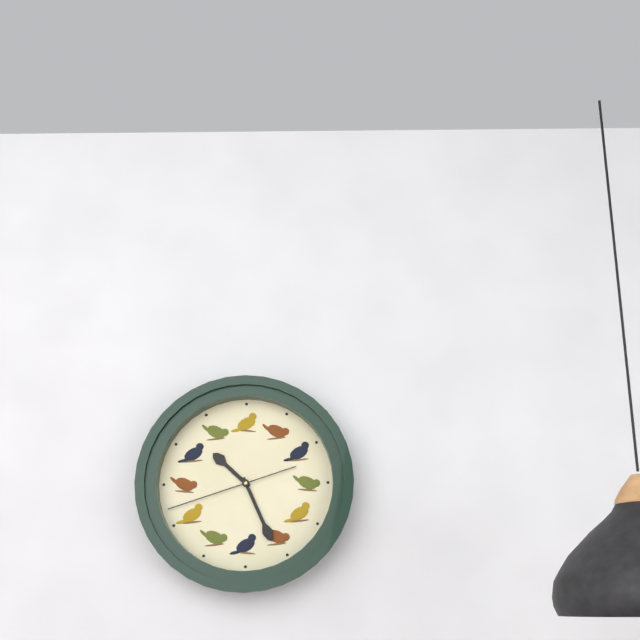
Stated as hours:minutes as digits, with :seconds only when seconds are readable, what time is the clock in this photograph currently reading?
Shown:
10:26:42
